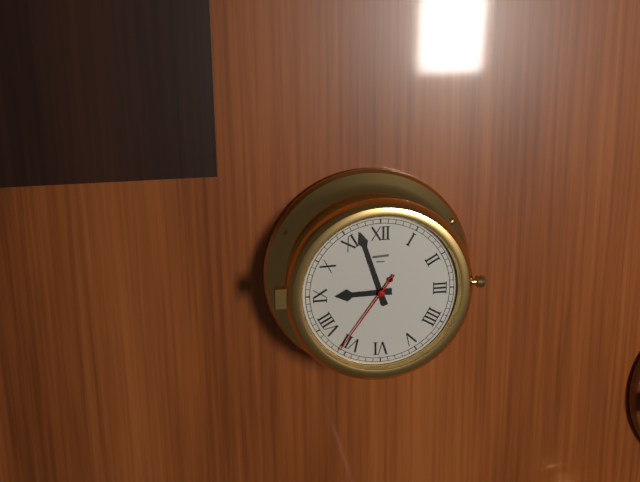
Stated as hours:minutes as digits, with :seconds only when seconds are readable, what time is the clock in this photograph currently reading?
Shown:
8:57:36
